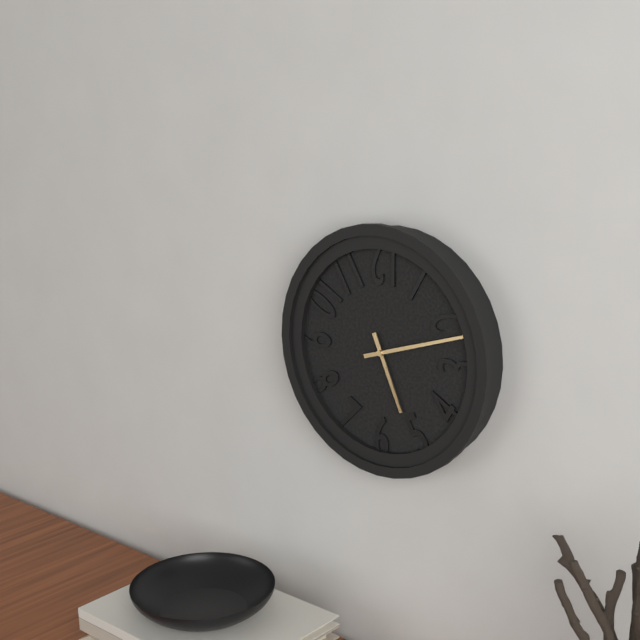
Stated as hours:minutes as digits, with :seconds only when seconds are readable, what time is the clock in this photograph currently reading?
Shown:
5:12
